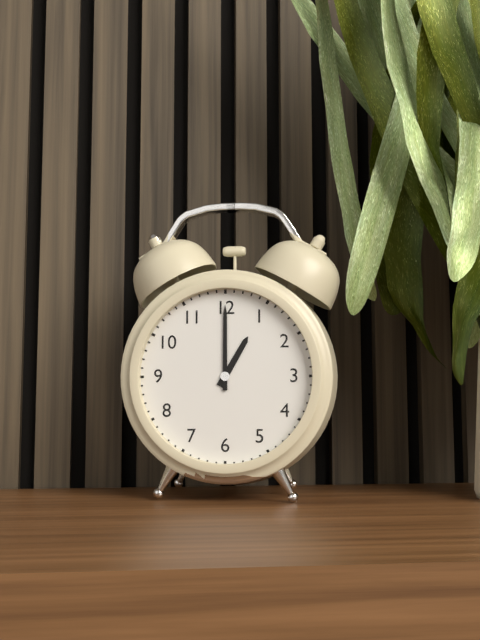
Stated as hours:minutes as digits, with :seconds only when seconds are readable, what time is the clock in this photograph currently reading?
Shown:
1:00
